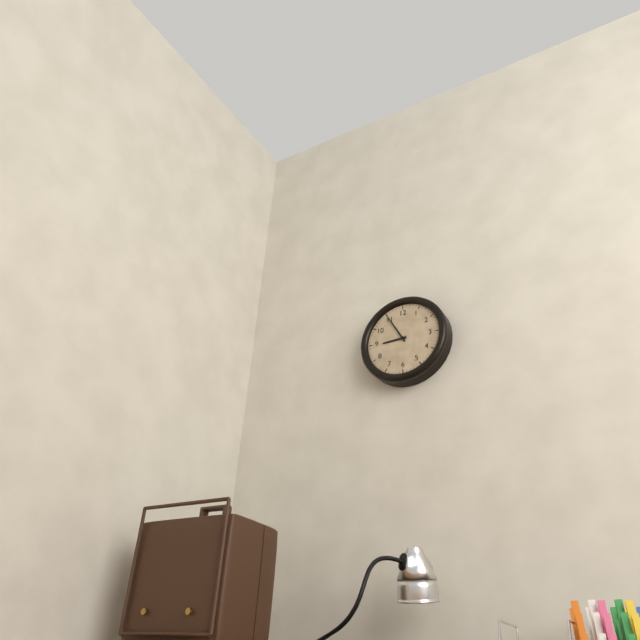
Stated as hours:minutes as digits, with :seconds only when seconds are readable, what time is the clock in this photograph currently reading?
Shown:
8:55
